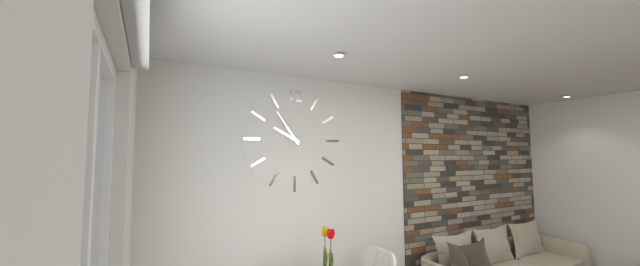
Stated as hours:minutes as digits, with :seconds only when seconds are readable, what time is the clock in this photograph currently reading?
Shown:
9:54
